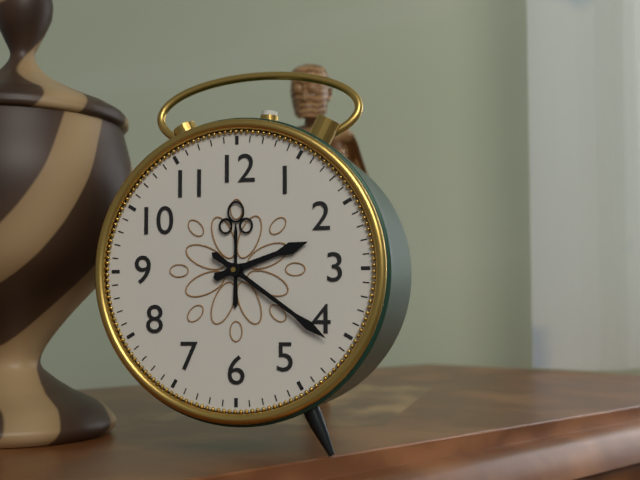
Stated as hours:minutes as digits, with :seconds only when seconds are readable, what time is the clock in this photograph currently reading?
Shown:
2:21
